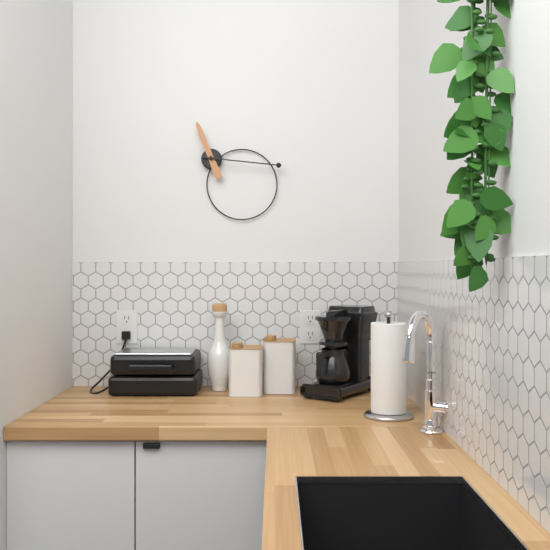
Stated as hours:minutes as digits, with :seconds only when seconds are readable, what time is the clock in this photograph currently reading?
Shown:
11:16
